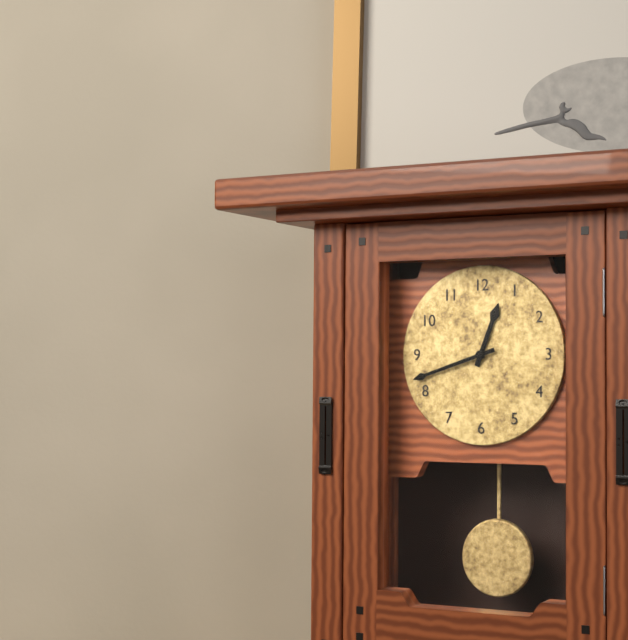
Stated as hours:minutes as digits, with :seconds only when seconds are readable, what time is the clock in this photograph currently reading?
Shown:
12:42
